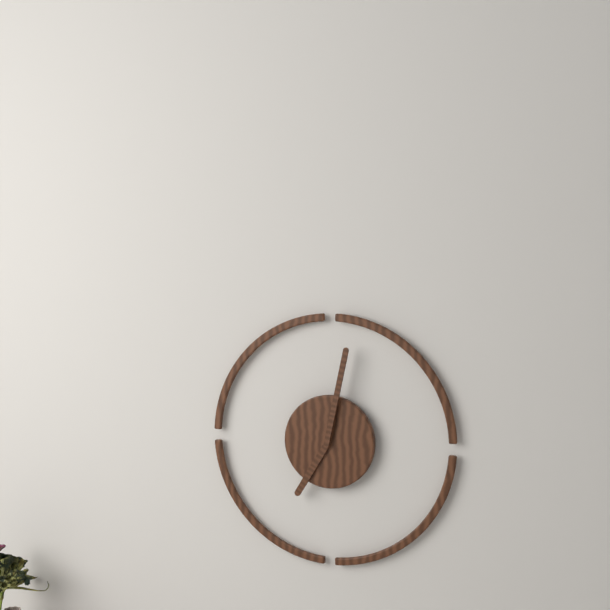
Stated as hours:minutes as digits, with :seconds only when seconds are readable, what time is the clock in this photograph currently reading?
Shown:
7:02
